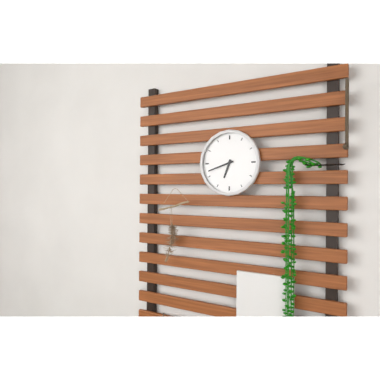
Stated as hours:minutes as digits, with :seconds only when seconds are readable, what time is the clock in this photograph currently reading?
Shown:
6:42
